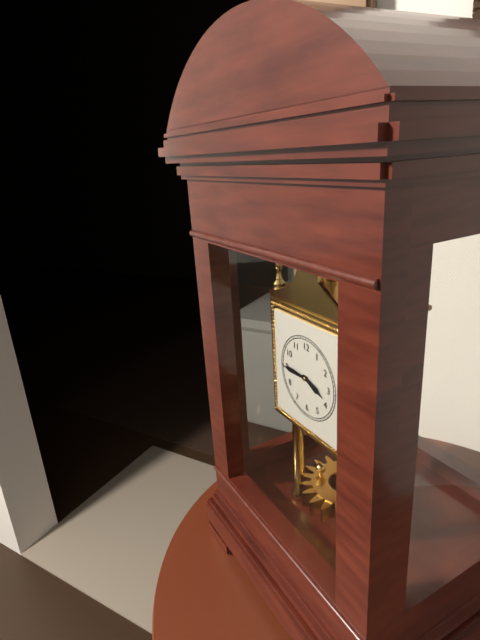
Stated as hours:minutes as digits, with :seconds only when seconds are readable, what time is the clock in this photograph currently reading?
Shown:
3:45
